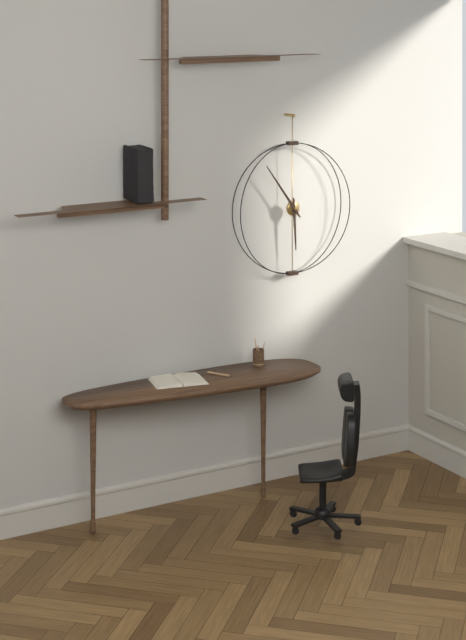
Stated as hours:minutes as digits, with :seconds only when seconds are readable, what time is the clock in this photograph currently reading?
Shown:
5:54
